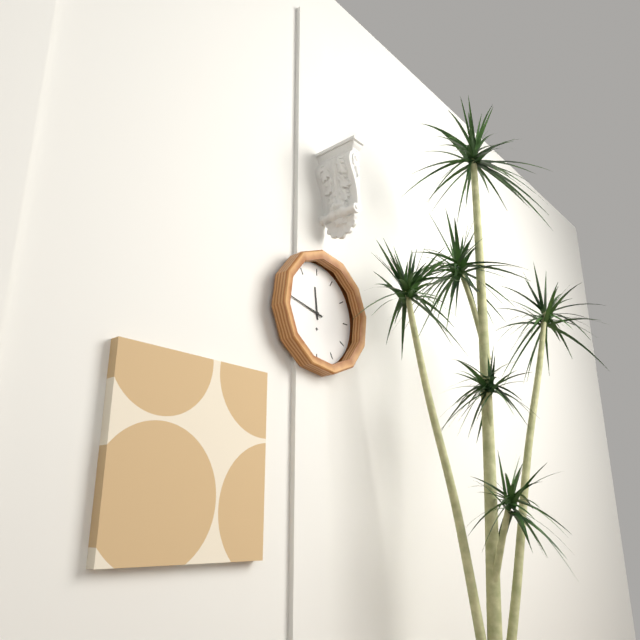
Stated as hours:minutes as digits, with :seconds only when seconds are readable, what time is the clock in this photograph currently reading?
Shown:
11:47
